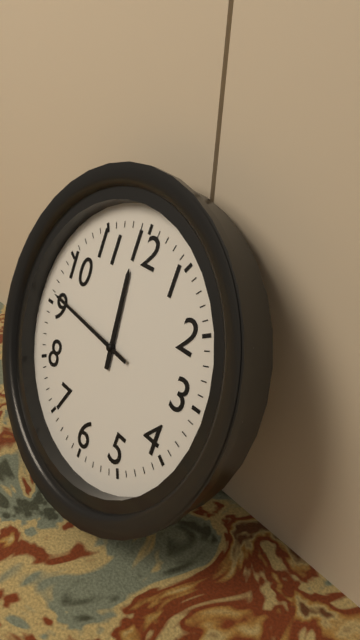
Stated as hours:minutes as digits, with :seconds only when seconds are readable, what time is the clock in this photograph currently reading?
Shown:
11:46
